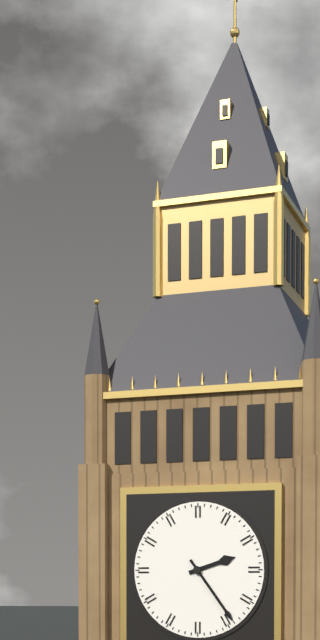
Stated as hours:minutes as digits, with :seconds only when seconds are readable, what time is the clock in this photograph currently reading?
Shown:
2:24
